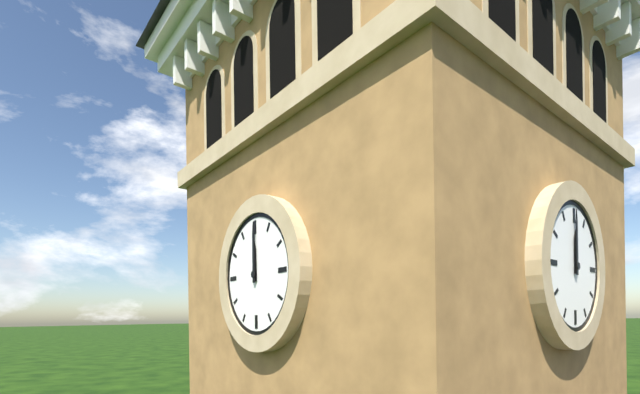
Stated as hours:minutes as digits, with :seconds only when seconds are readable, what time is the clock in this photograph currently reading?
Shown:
12:00
